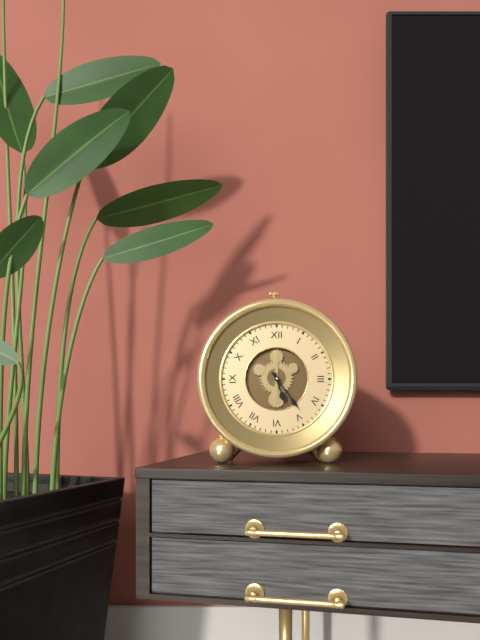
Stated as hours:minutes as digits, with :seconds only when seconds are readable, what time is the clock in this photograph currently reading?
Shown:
5:24
